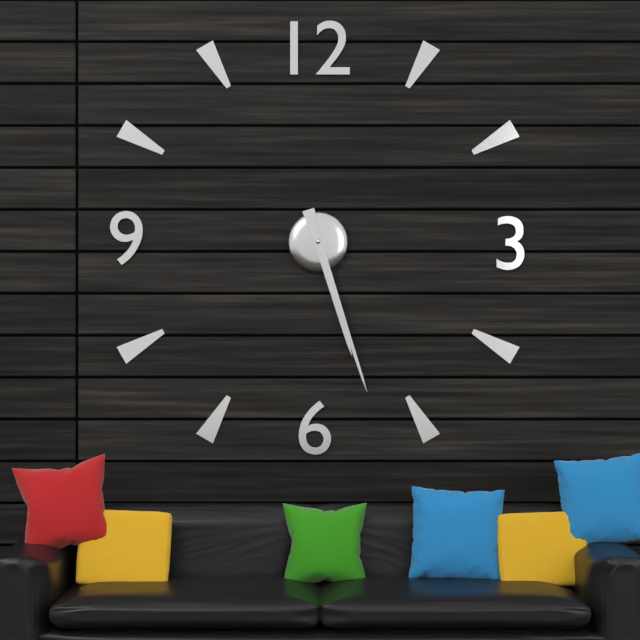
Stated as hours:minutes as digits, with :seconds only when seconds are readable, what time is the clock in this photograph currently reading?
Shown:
5:27
